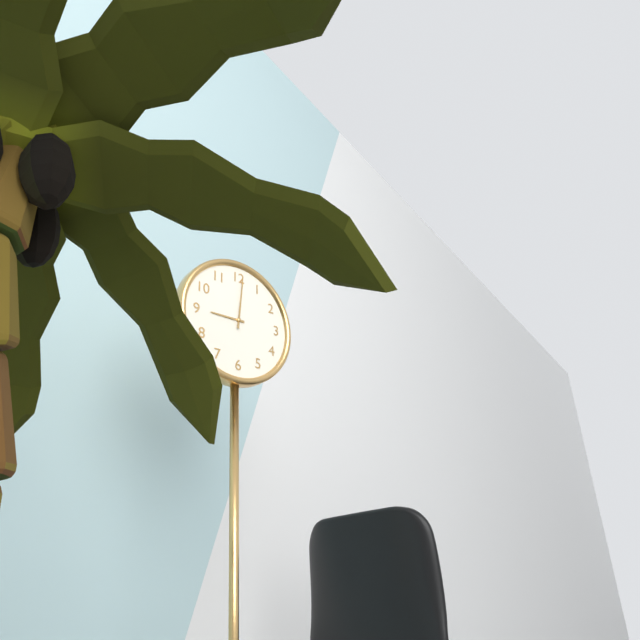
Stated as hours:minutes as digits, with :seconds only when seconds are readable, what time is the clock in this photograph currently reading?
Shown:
9:01
